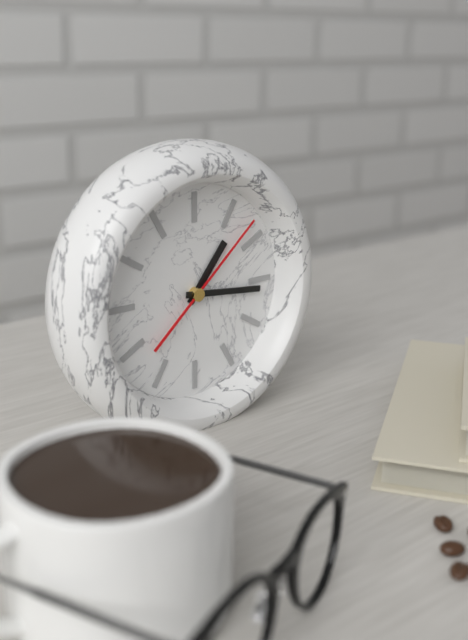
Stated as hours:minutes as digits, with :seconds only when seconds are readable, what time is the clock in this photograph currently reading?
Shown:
1:16:08
